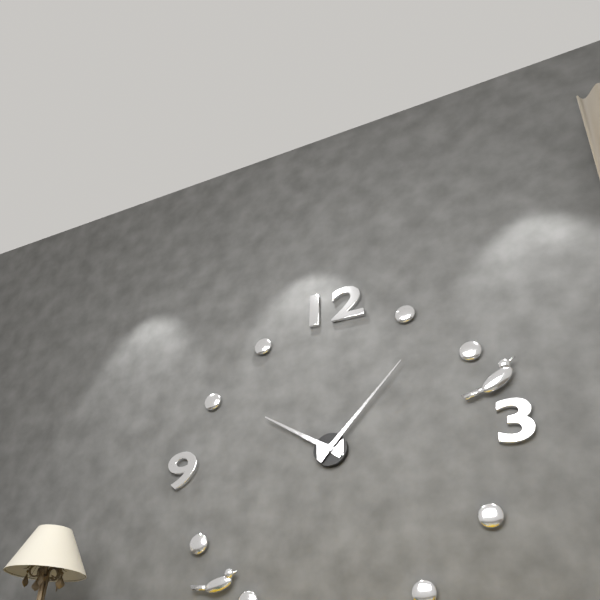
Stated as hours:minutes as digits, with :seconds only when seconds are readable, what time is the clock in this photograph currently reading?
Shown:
10:07
